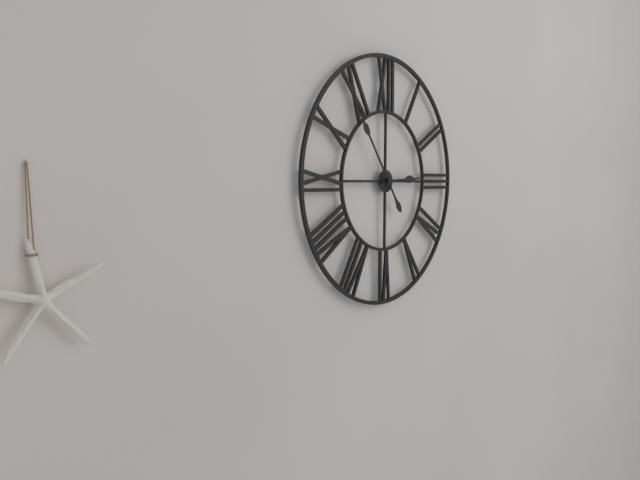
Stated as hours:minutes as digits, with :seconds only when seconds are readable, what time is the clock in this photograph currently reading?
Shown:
2:54
